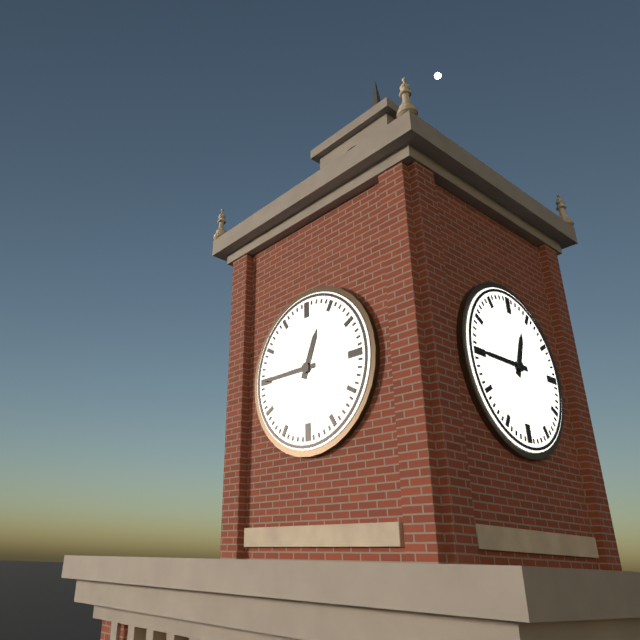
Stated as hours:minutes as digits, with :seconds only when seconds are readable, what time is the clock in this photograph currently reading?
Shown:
12:45
